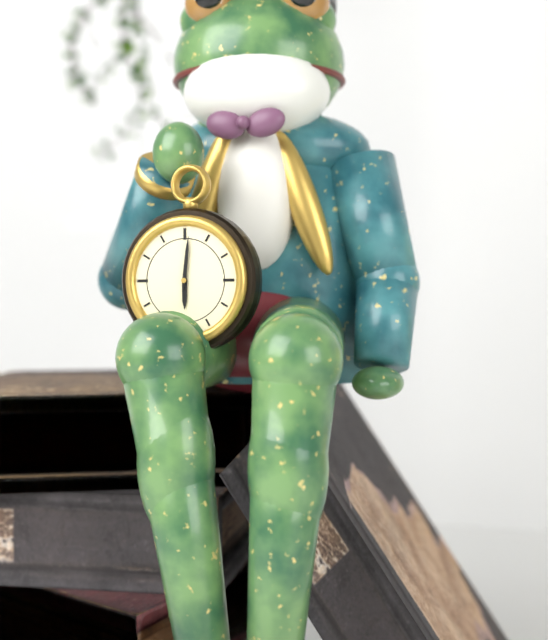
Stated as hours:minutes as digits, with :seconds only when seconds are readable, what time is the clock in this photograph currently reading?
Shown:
6:01
